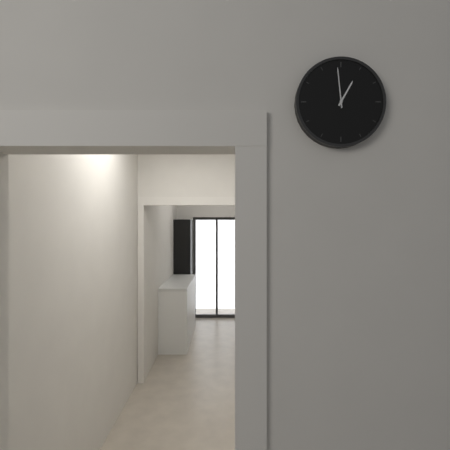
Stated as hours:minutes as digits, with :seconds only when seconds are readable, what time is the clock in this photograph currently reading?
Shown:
12:59
